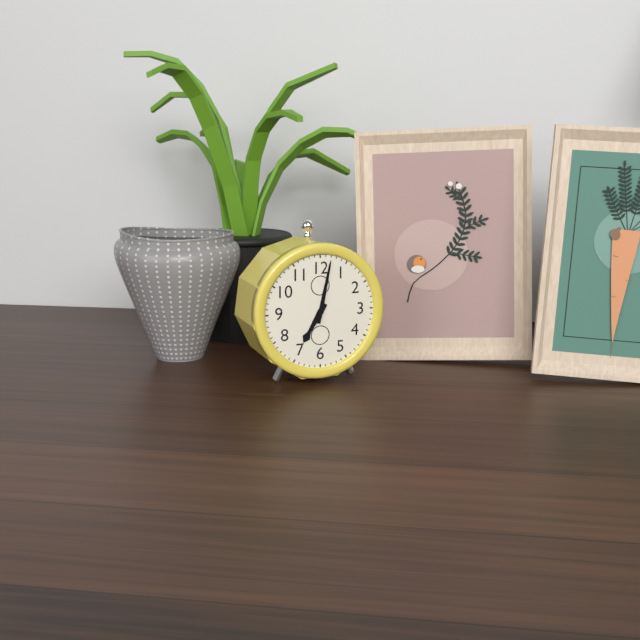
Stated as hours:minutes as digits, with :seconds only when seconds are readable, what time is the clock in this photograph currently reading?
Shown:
7:02
